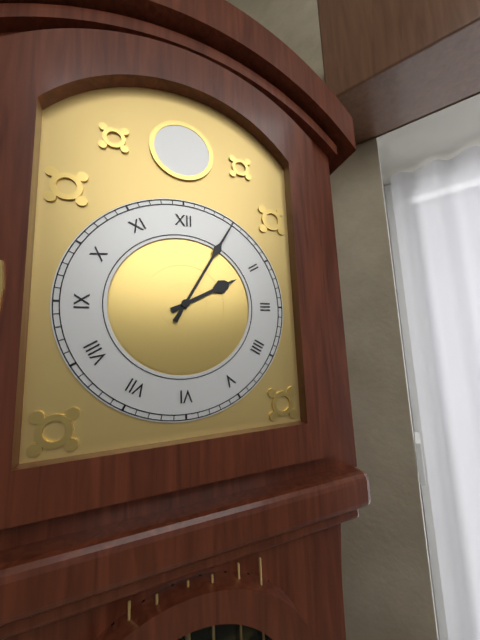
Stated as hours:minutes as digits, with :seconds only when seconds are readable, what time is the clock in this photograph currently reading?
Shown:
2:05
